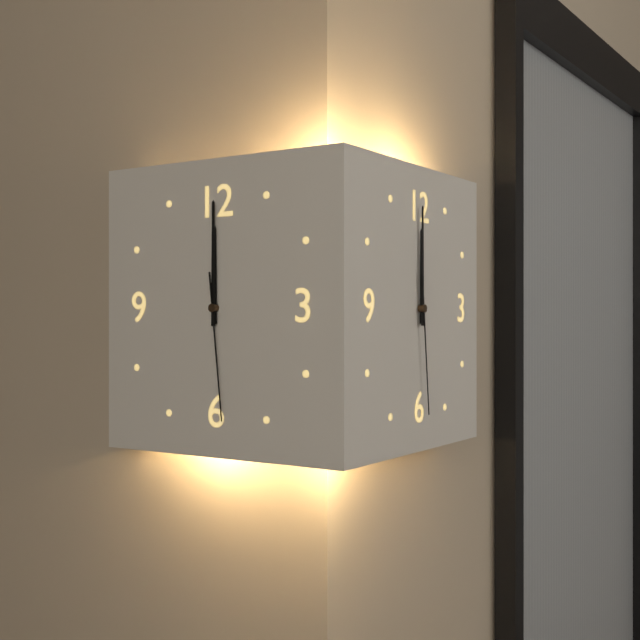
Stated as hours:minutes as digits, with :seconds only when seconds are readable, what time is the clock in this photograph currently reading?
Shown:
12:00:29
